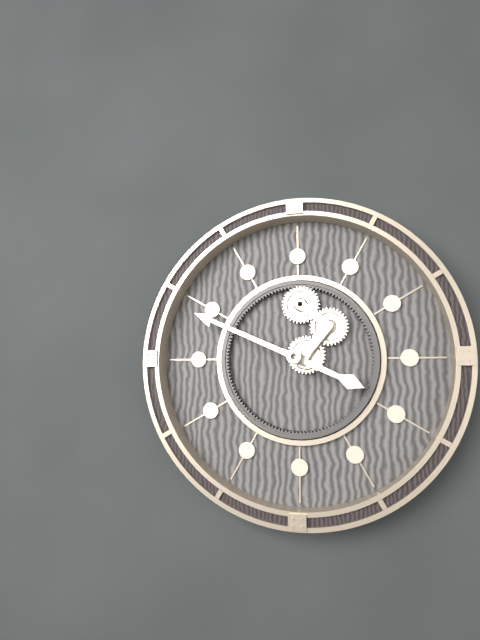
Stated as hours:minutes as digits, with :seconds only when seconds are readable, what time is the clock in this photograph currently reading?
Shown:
3:49
